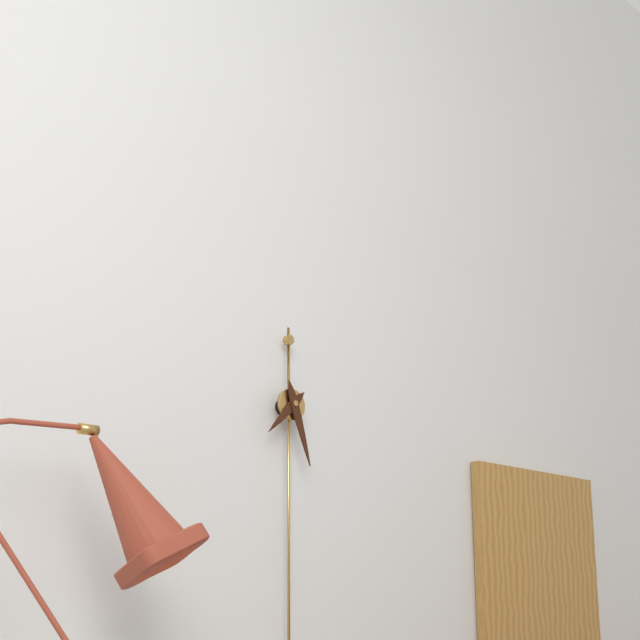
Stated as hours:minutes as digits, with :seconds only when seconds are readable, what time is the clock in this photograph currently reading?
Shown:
7:27
